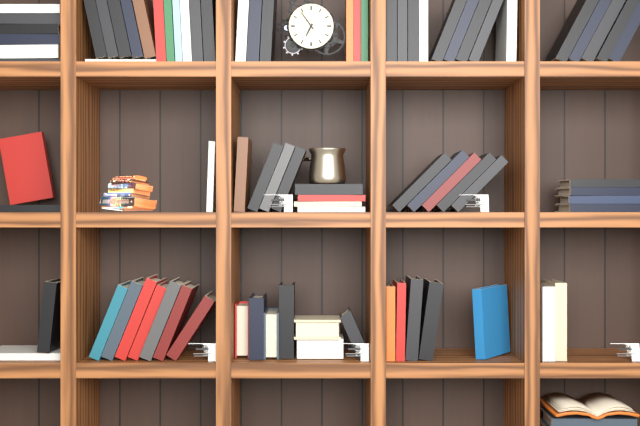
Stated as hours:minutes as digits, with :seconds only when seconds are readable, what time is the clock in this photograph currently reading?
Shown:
6:54
